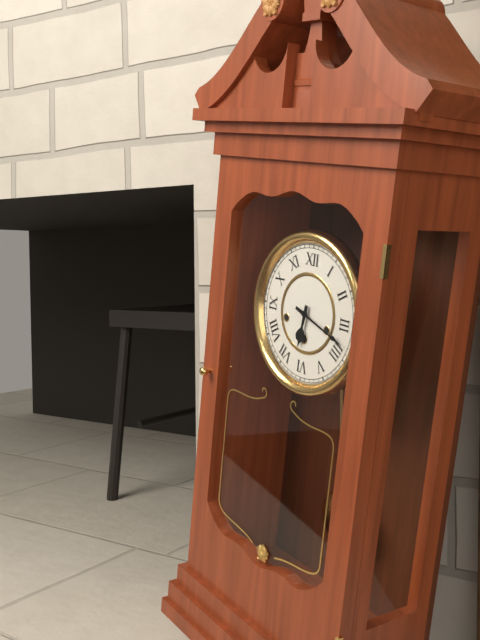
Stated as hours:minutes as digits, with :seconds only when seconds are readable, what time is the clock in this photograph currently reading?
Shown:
6:18
